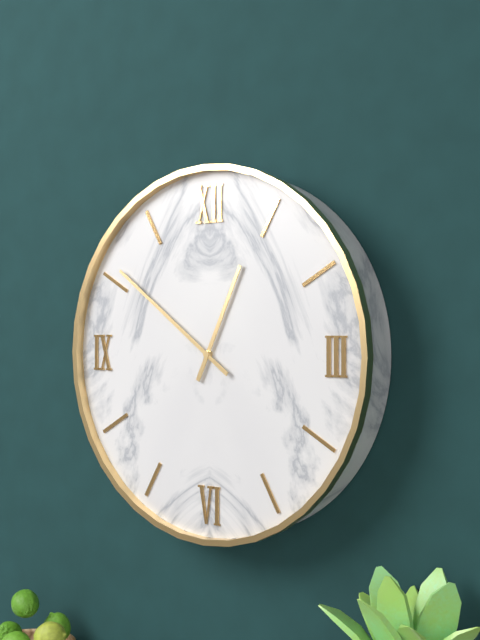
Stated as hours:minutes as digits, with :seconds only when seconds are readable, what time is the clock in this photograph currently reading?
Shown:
12:51
